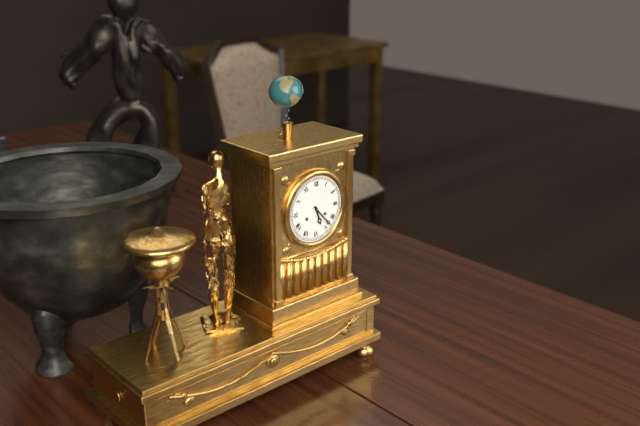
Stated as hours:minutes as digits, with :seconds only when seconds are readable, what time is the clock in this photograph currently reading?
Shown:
5:23
